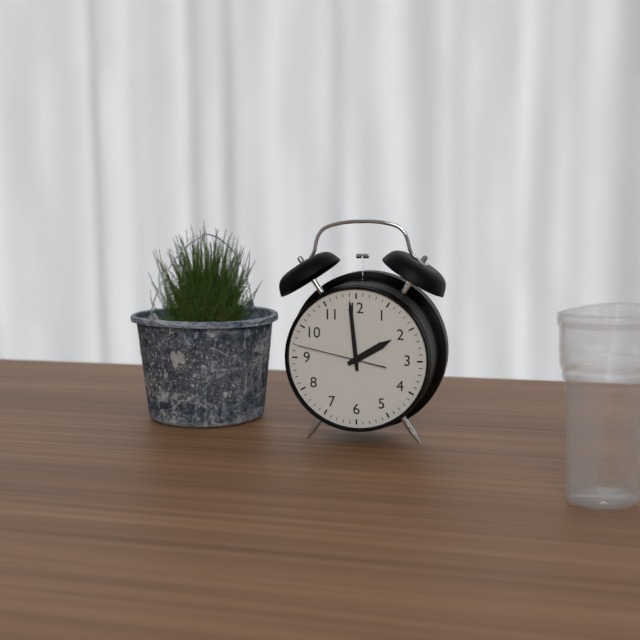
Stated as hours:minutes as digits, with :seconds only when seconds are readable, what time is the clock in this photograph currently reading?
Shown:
1:59:47
